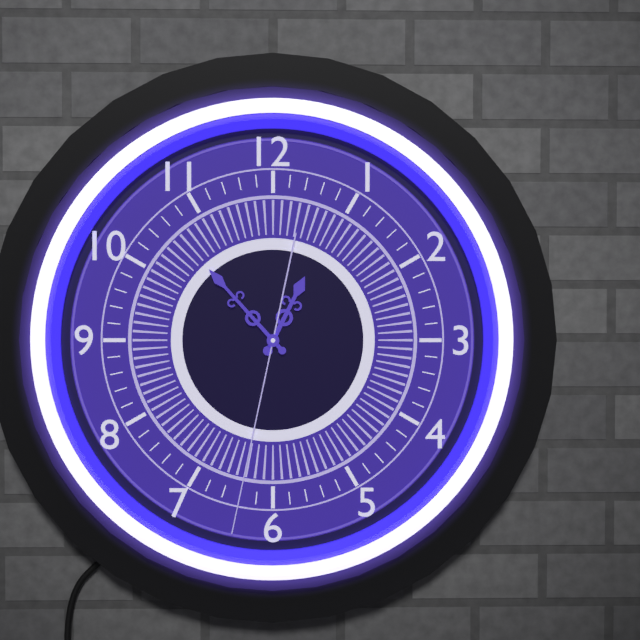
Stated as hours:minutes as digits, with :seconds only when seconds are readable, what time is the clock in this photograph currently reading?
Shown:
12:53:32
